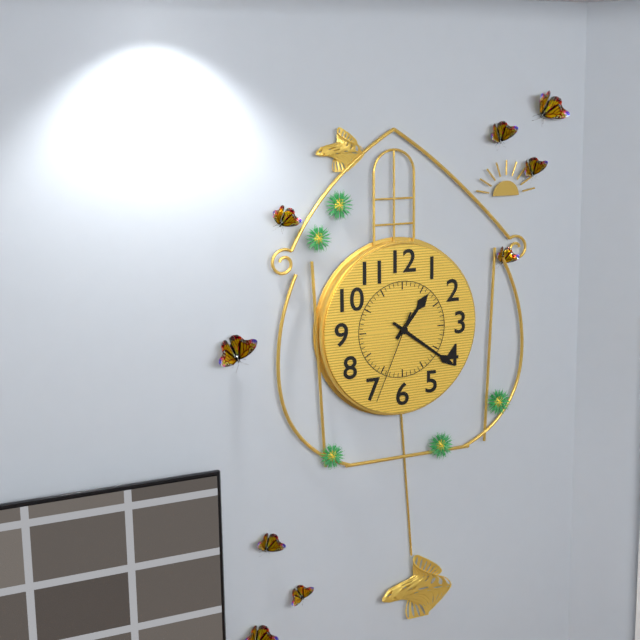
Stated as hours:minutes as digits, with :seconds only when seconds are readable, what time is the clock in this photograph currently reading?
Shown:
1:21:34
